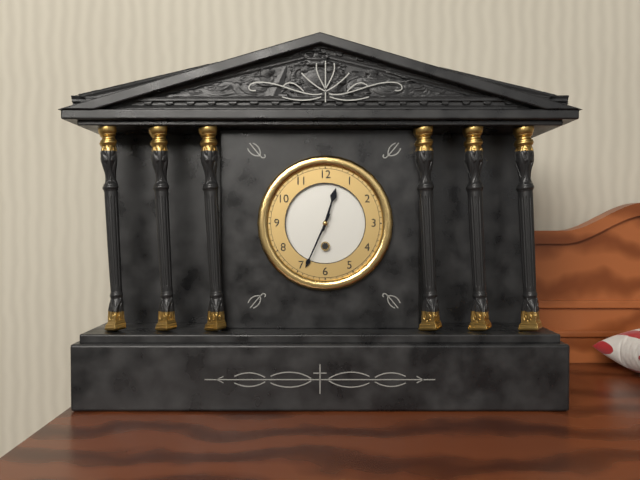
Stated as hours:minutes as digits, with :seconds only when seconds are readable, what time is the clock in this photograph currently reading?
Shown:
12:34
